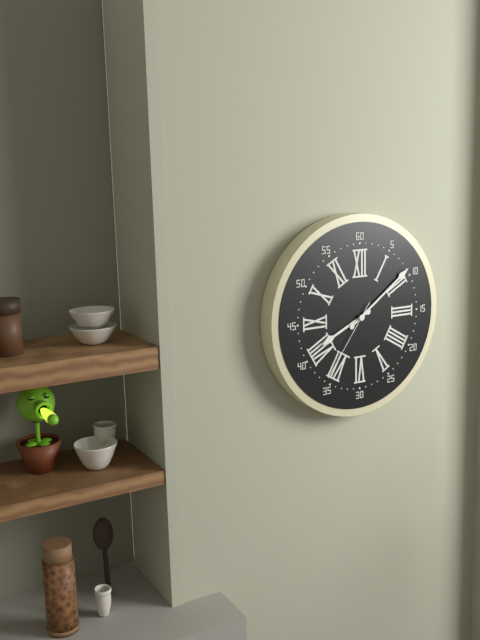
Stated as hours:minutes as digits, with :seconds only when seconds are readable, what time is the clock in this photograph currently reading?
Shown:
8:09:36
